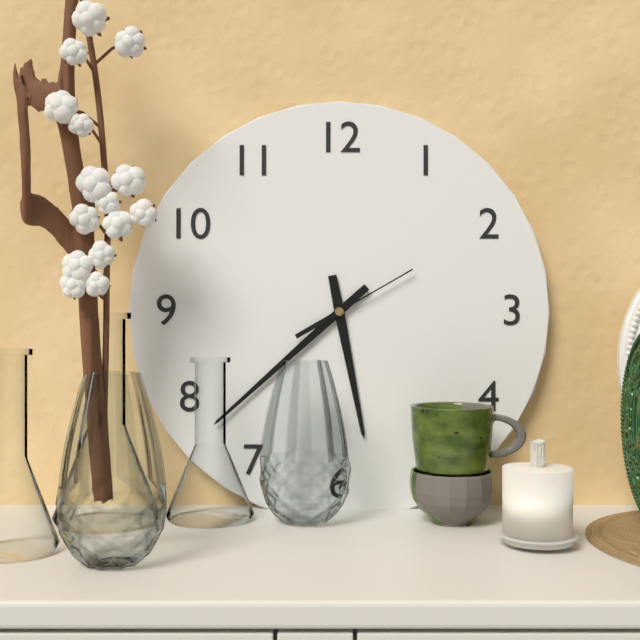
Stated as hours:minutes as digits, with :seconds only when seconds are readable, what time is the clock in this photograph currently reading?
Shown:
5:38:10
